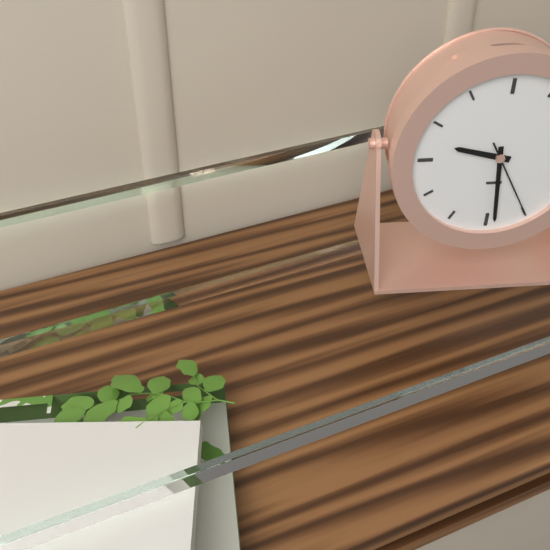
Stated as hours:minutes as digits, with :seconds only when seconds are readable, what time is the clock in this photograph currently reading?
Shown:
9:29:25
